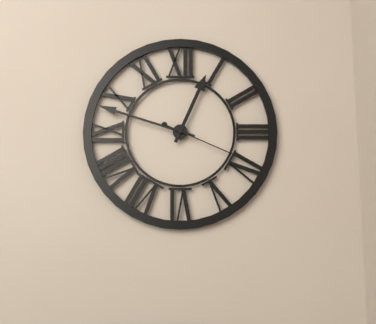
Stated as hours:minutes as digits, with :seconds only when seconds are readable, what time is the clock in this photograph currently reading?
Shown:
12:48:19
